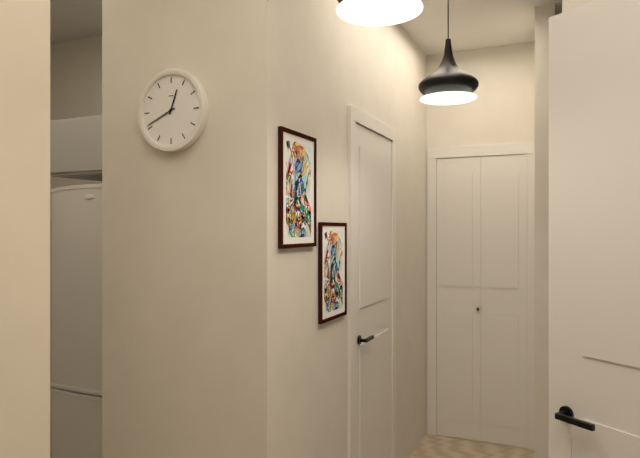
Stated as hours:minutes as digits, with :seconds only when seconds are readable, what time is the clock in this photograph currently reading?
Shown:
12:41
